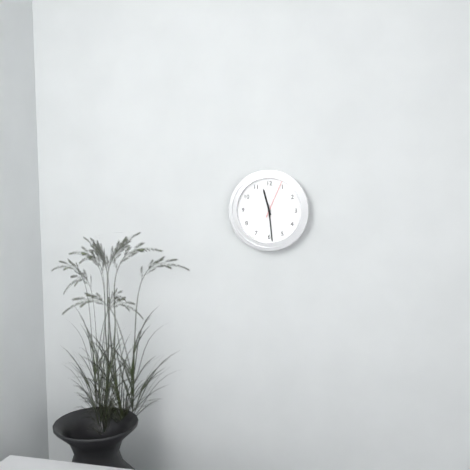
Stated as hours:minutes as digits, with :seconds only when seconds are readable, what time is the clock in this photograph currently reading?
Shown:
11:29
